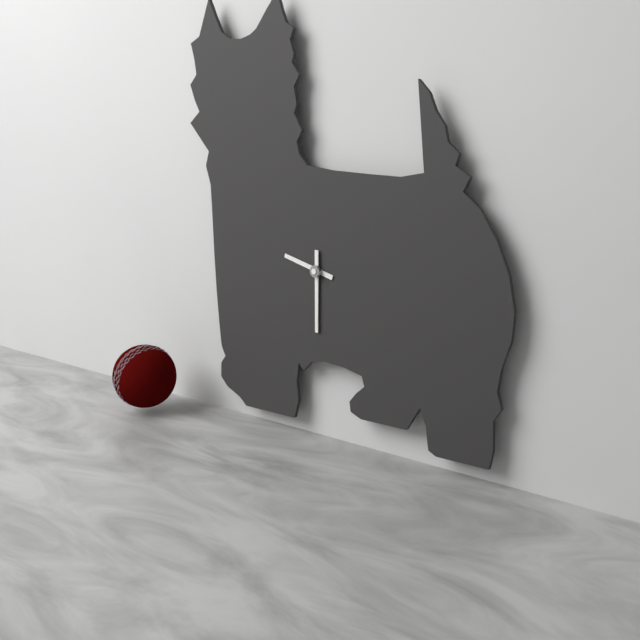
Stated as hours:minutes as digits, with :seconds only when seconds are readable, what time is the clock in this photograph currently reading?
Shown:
9:30
